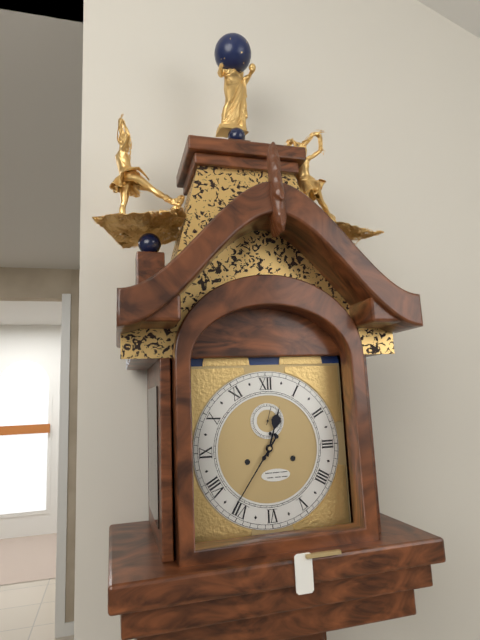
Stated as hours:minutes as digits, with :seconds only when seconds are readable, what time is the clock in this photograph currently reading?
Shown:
12:36
